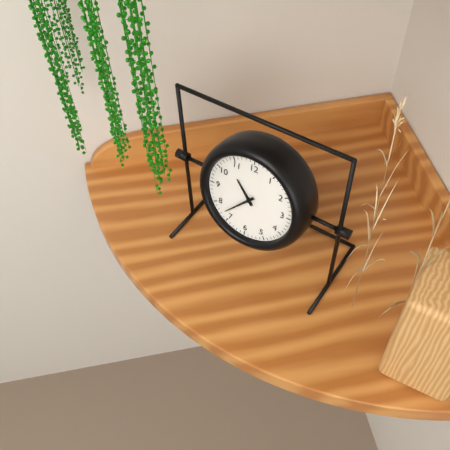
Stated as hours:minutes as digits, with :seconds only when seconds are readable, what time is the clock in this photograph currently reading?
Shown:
10:37
